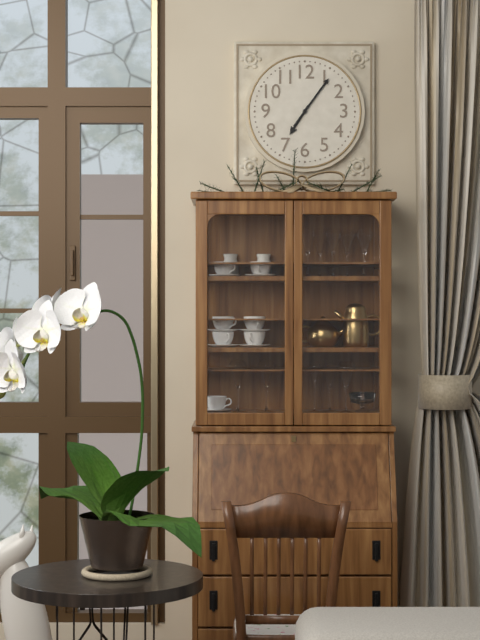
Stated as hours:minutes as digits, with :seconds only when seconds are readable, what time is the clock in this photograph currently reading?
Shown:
7:06
